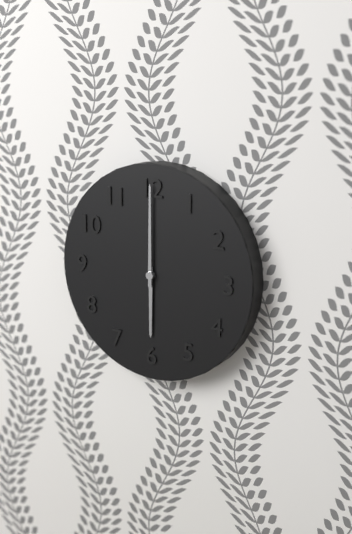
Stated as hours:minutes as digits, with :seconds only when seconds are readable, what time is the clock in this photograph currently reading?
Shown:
6:00
